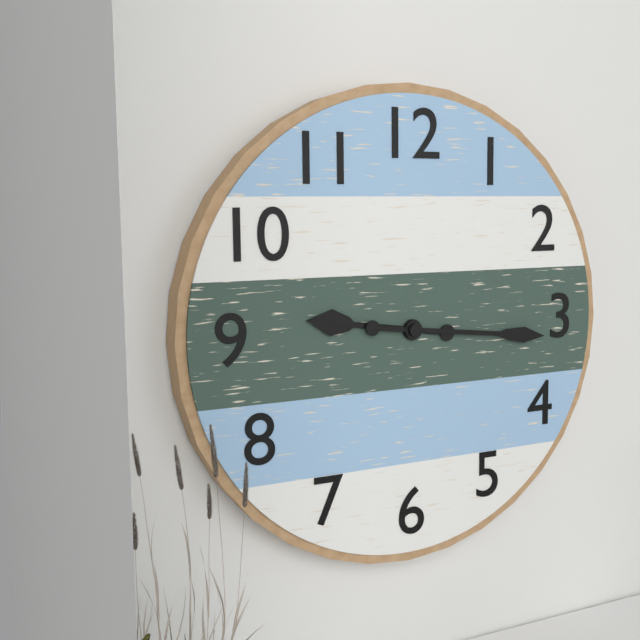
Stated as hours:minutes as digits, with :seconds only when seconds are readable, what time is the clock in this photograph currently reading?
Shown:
9:16
